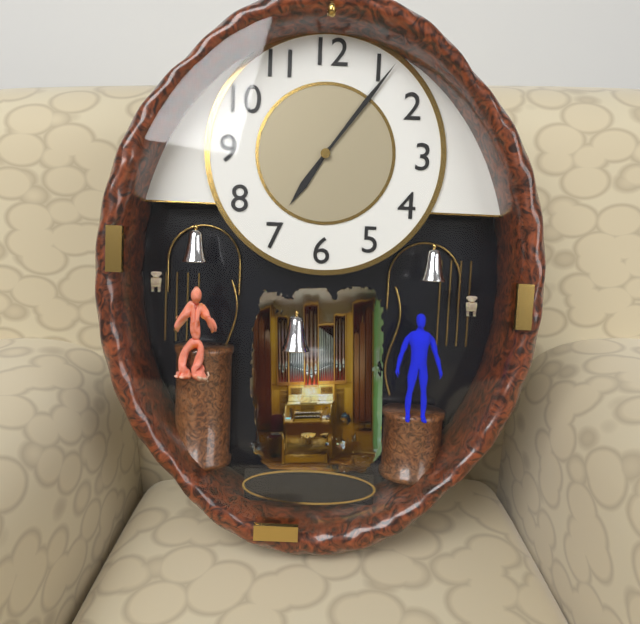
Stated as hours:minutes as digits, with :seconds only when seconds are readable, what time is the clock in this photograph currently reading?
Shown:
7:06
